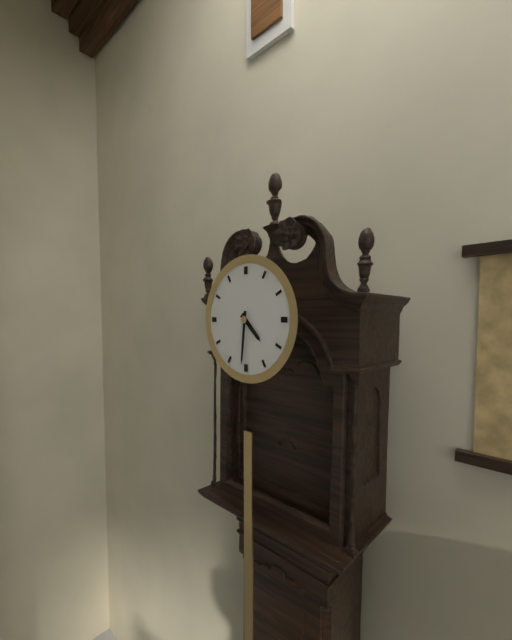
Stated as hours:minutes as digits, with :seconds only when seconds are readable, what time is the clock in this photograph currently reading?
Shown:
4:31
